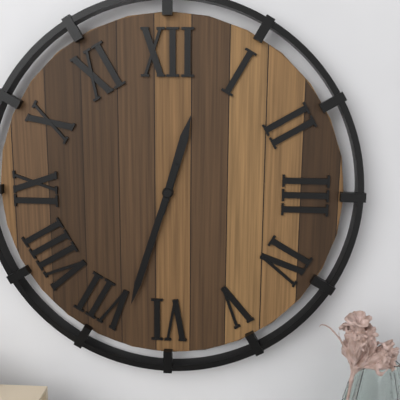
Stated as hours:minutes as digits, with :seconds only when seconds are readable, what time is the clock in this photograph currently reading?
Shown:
12:33
